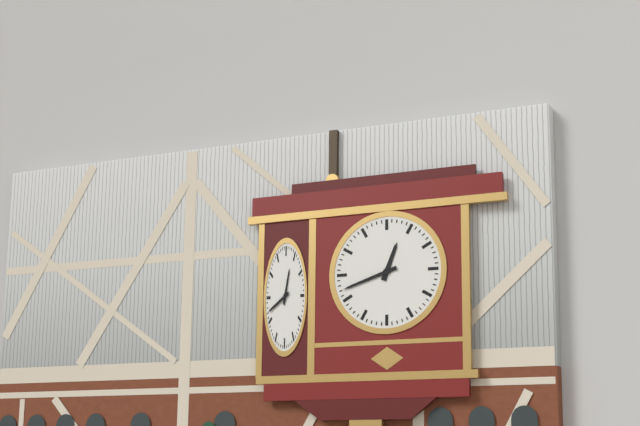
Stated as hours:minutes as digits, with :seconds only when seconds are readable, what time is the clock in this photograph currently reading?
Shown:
12:42
